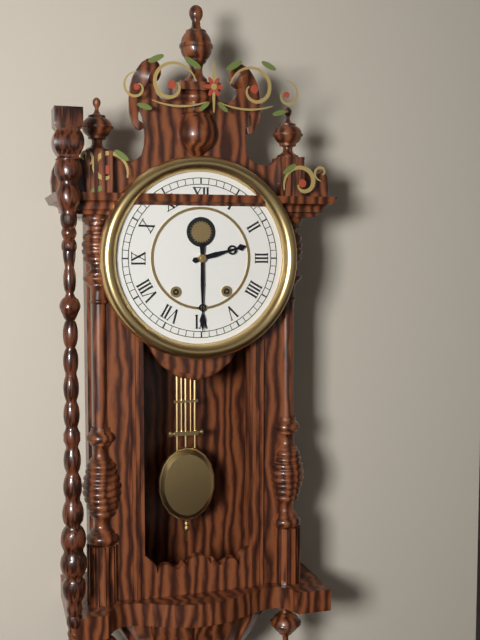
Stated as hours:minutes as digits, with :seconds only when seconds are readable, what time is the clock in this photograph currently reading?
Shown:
2:30
